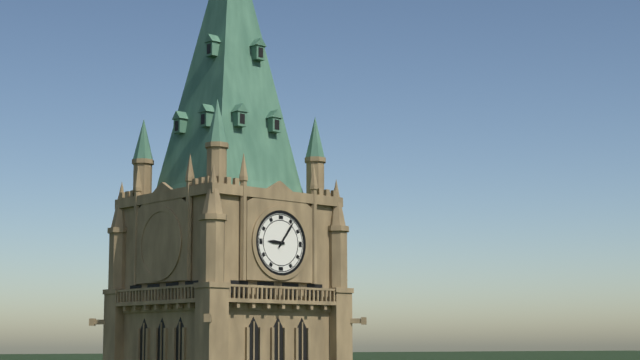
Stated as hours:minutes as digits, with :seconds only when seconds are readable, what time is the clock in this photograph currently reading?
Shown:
9:06
